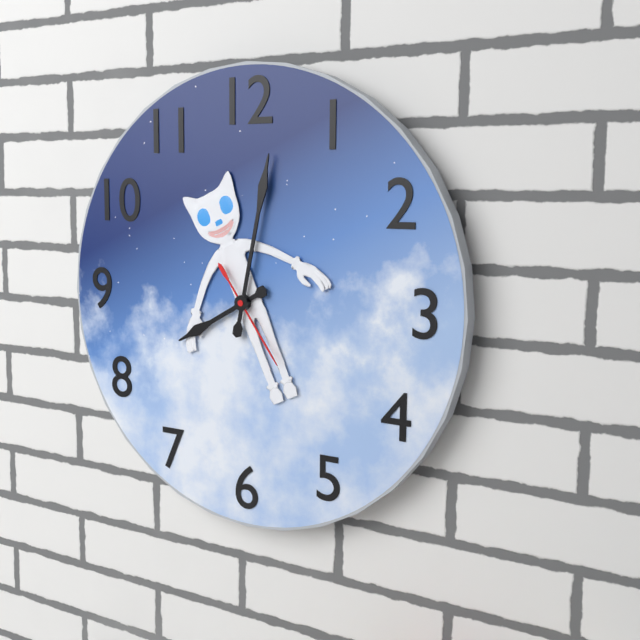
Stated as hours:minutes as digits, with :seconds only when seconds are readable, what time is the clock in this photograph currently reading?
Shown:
8:02:24
